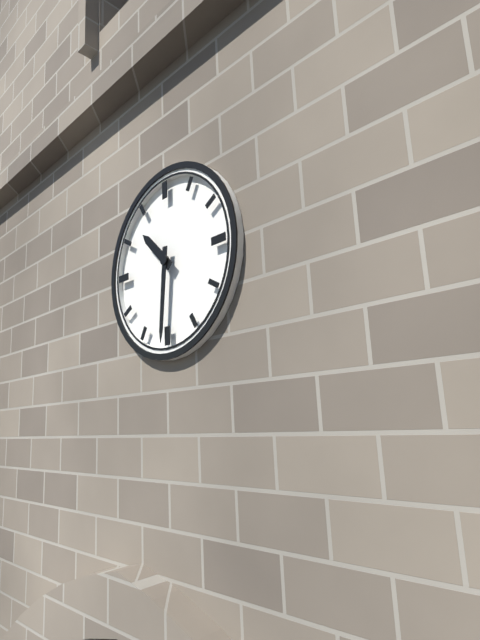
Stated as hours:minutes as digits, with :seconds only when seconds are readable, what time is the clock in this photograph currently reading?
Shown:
10:31
